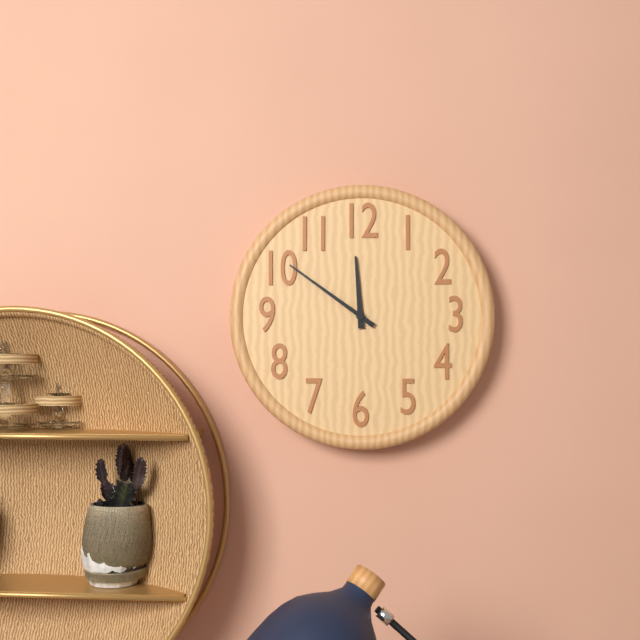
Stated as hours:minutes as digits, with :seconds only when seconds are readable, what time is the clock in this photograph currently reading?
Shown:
11:51
